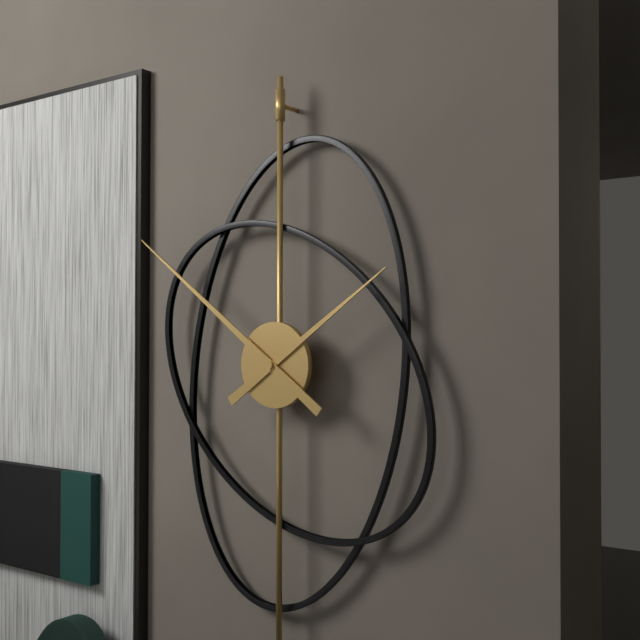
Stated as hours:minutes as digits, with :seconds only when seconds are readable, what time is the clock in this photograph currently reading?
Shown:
1:51
